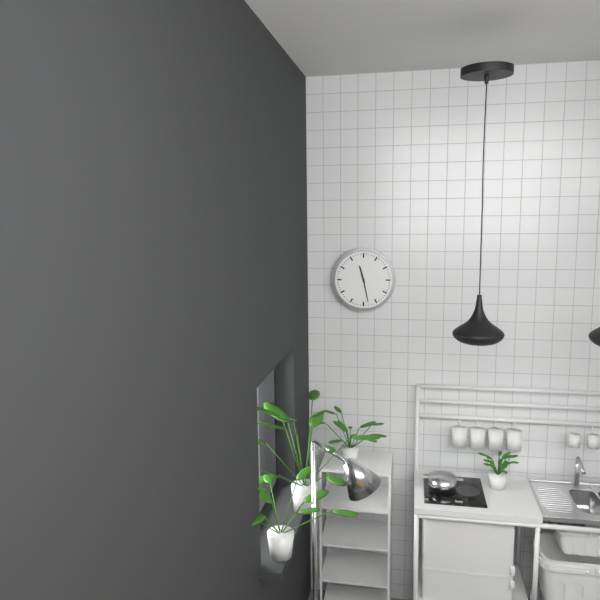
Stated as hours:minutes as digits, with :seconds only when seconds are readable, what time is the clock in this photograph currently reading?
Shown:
11:28
